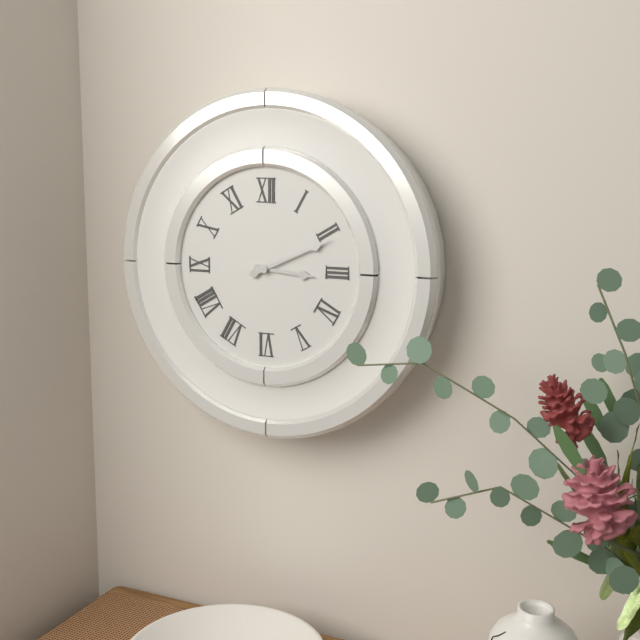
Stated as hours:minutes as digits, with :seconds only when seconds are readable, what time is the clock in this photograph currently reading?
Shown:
3:11
